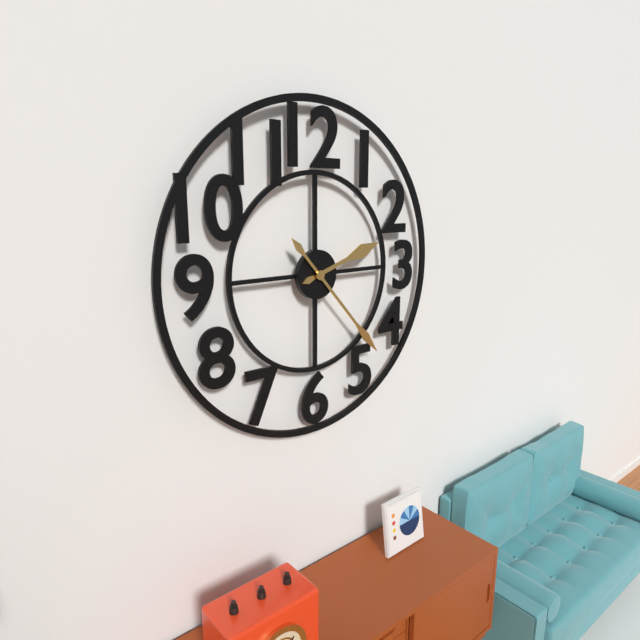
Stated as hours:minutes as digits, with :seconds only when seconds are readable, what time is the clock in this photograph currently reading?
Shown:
2:23
